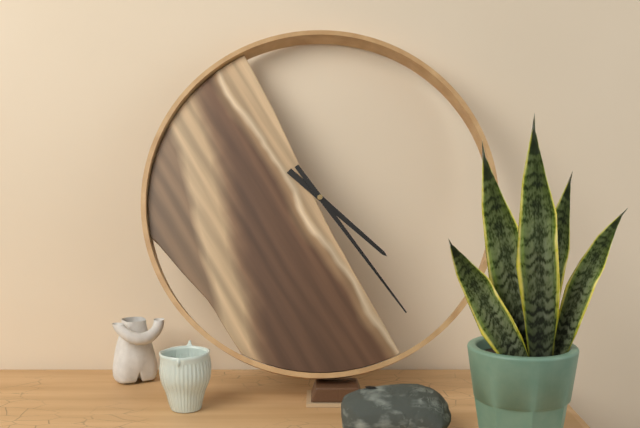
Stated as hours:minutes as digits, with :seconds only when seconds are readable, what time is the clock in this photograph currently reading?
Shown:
4:24
